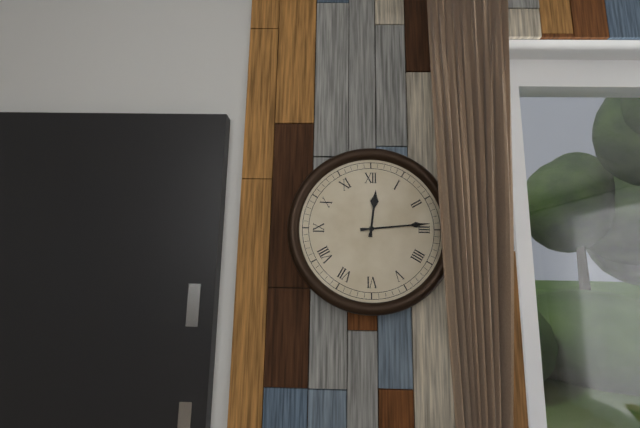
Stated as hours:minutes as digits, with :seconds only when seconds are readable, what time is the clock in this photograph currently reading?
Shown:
12:14
